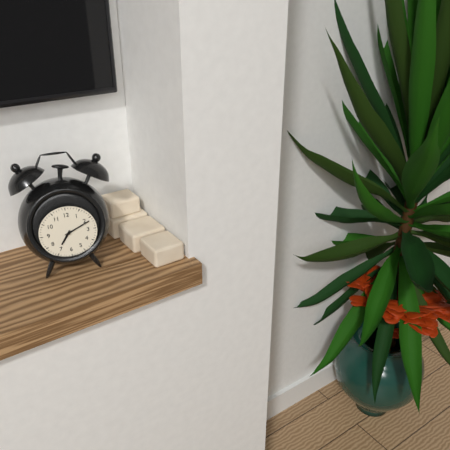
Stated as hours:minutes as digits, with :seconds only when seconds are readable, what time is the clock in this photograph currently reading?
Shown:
7:11
